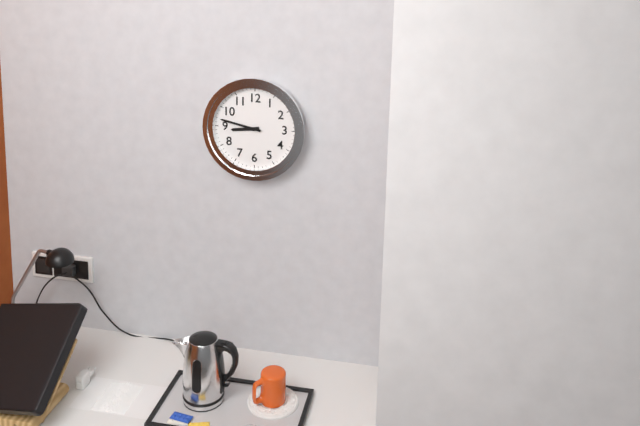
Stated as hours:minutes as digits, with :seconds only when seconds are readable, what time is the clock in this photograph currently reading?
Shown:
8:47
